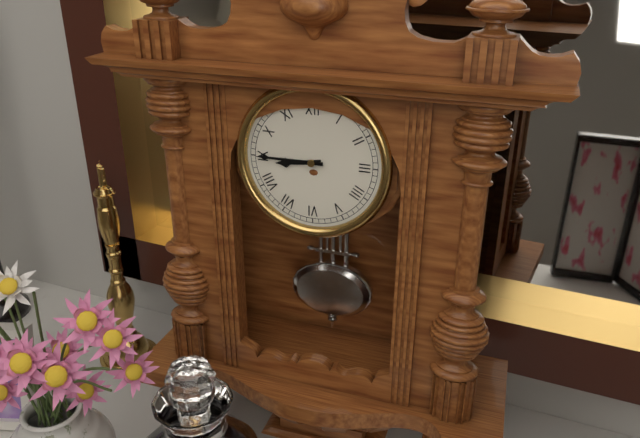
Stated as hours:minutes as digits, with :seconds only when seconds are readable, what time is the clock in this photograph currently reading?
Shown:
8:45
